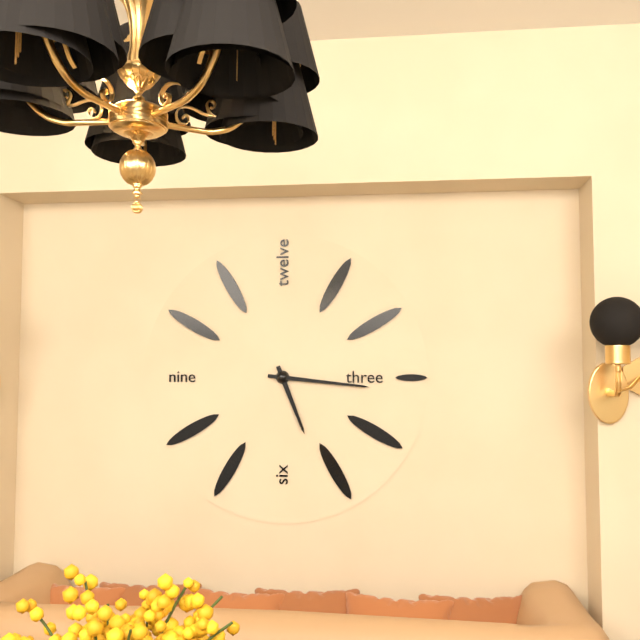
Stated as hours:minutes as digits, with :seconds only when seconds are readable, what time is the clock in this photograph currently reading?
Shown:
5:16
